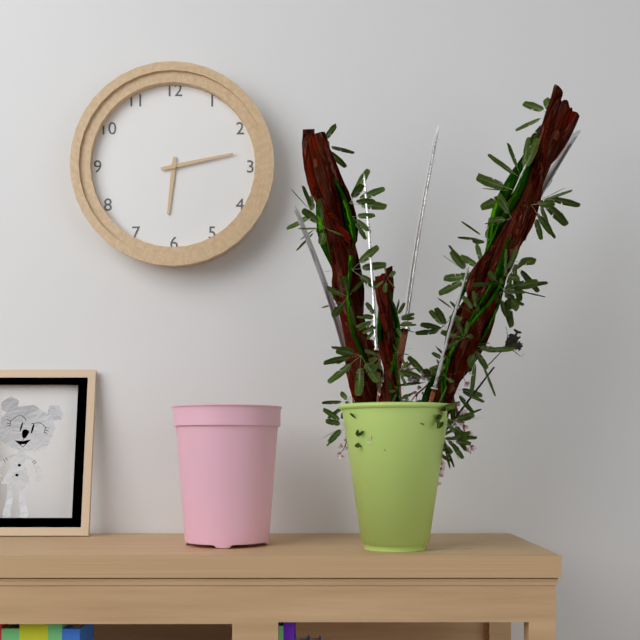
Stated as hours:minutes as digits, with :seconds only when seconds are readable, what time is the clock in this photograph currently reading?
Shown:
6:13
